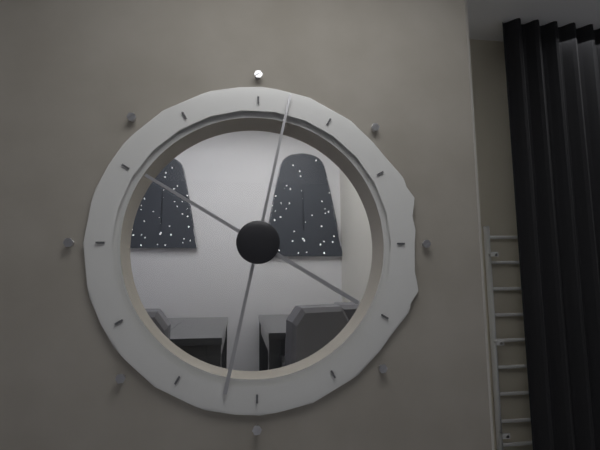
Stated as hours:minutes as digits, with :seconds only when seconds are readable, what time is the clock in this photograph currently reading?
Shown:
10:02
